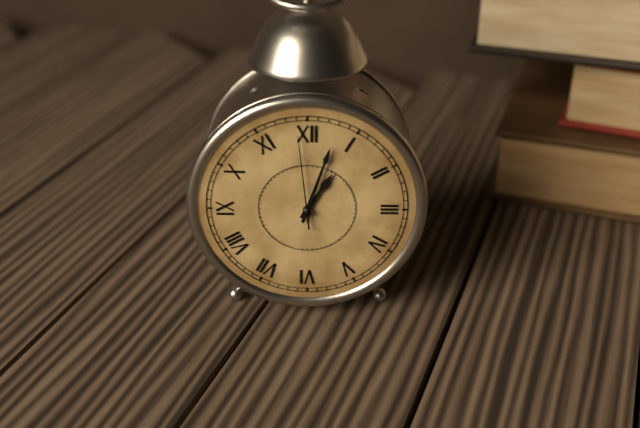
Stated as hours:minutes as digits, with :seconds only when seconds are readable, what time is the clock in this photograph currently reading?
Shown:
1:03:59
